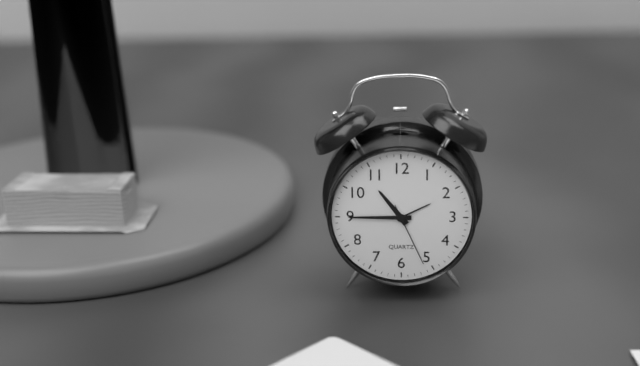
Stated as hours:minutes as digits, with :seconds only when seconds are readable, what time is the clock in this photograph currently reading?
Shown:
10:45:26
